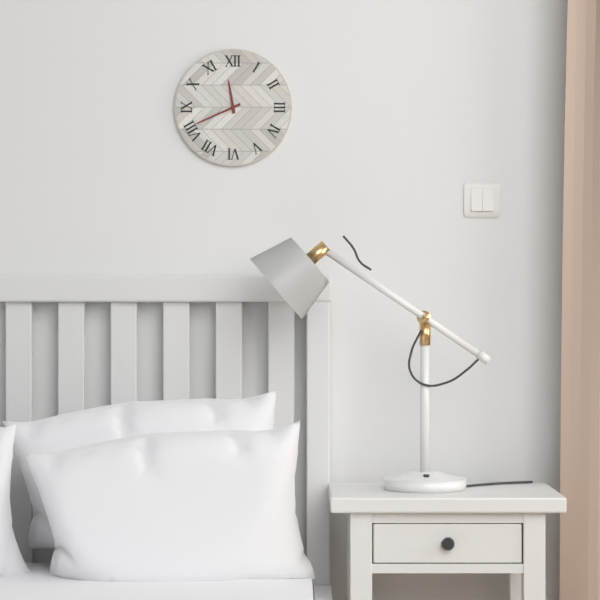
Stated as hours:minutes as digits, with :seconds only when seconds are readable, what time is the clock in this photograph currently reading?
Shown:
11:41
